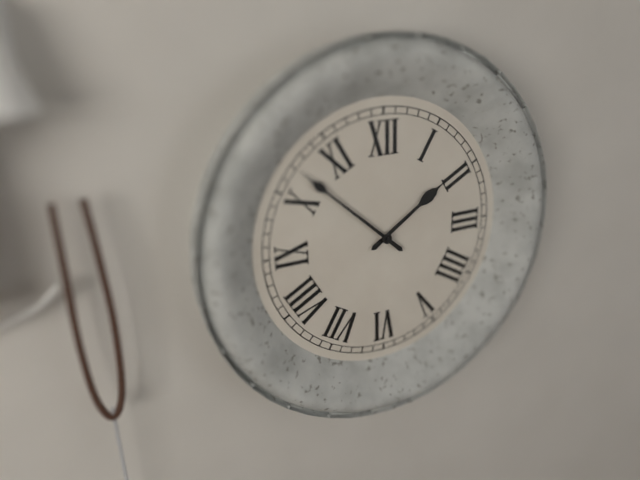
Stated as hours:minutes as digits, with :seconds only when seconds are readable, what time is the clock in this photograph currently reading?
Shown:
1:52
